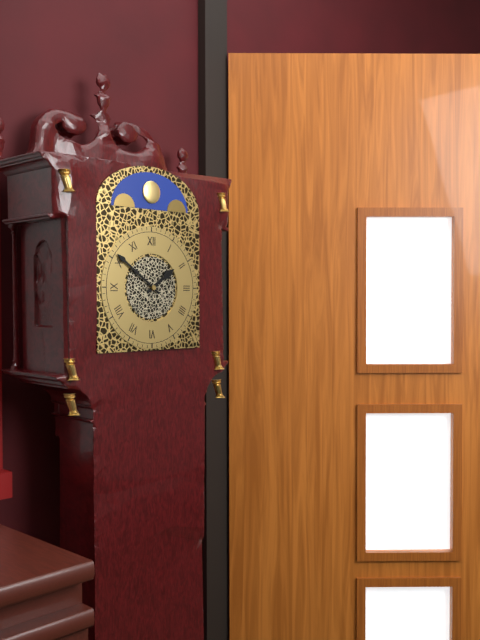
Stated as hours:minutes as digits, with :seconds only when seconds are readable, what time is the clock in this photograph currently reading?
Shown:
1:51
